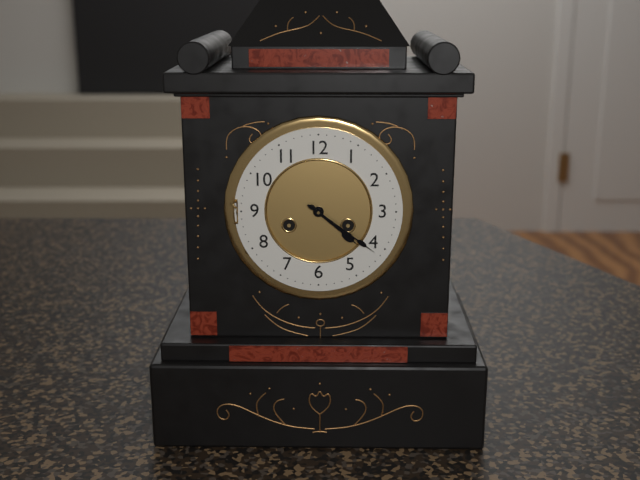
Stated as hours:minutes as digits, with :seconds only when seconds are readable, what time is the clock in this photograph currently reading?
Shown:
4:21
